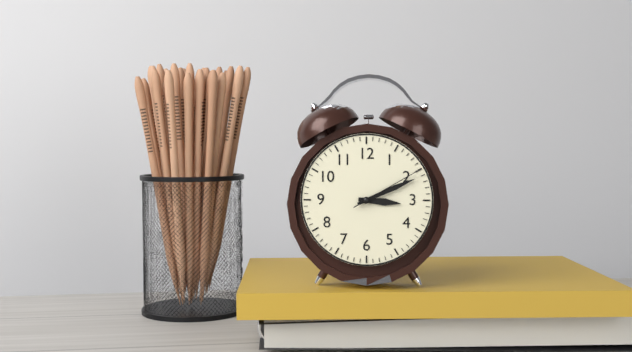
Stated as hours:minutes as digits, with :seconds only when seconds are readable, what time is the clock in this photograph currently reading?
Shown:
3:11:10
